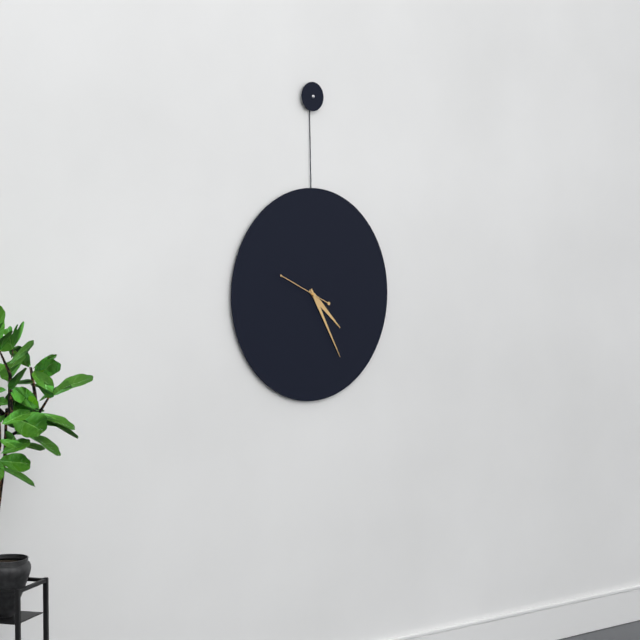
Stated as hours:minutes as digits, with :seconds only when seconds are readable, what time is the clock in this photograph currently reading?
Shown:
4:25
